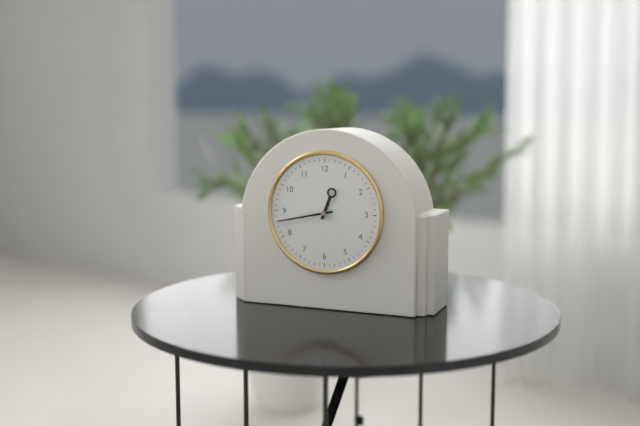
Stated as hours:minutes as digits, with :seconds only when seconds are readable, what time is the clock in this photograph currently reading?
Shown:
12:43
